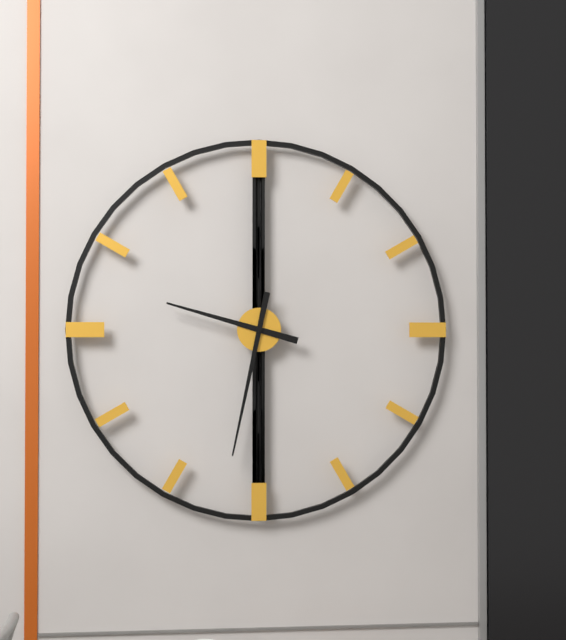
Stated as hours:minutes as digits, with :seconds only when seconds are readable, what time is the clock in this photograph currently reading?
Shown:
9:32
